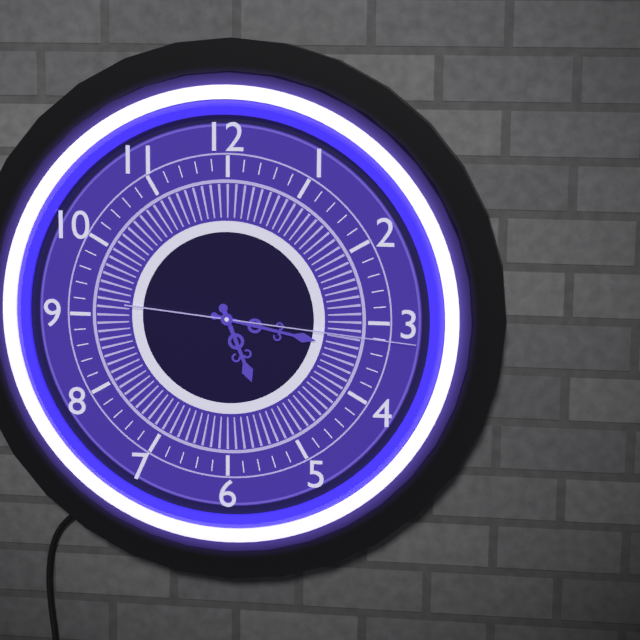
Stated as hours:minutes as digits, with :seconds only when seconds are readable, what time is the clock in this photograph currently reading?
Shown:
5:17:16
